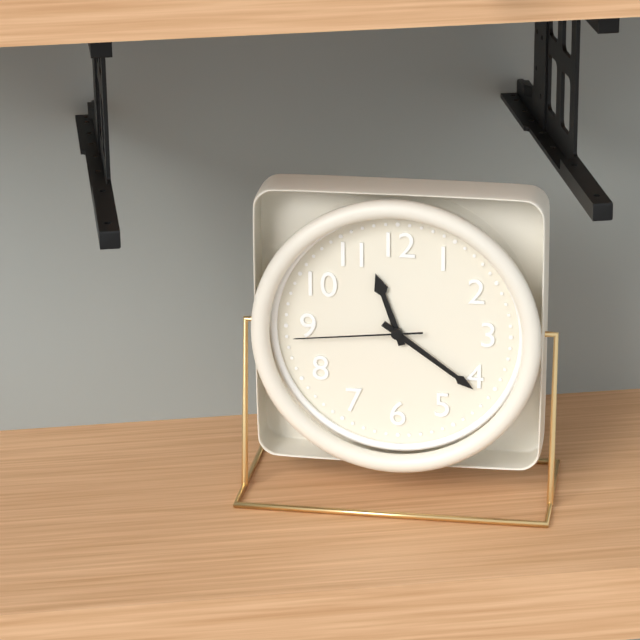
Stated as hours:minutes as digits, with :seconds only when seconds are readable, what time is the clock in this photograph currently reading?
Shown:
11:21:44
